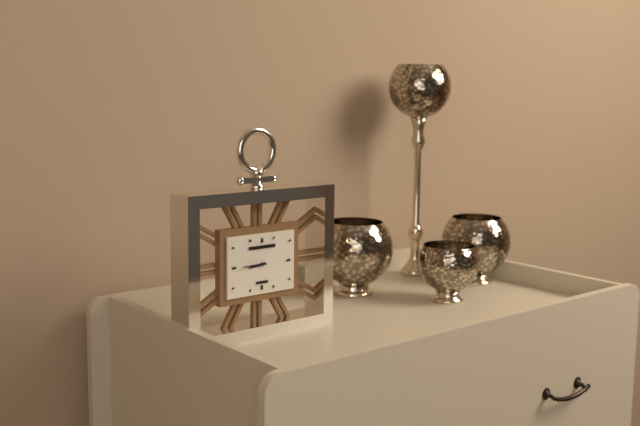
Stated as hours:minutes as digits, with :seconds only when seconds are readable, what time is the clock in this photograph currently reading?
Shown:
8:45
